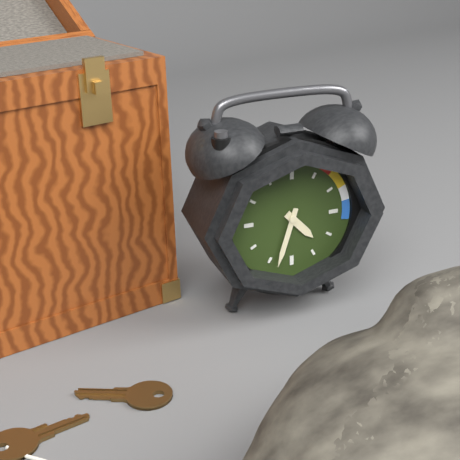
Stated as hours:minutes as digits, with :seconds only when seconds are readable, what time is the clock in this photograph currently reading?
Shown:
4:33
